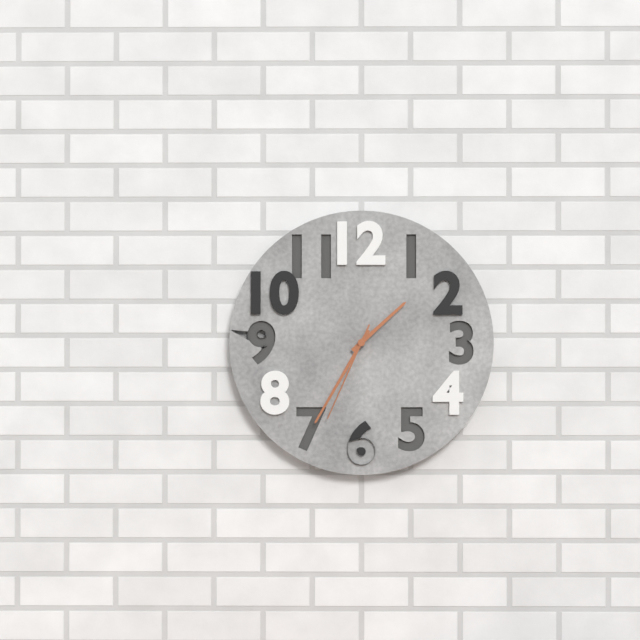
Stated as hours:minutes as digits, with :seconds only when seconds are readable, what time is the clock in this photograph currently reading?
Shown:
1:35:34
